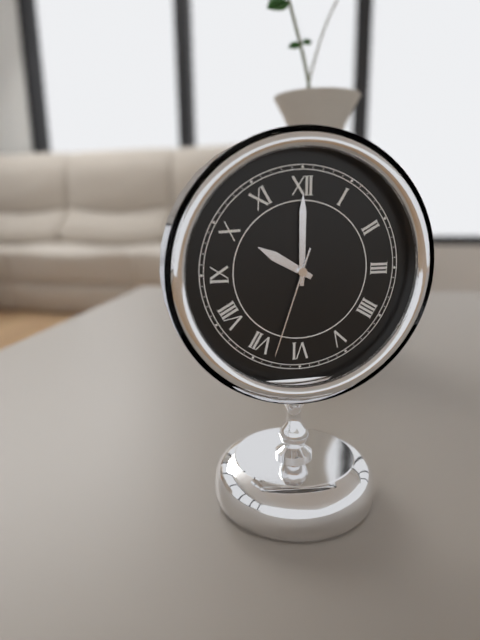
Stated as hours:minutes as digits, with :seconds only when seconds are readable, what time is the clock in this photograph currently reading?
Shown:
10:00:33
